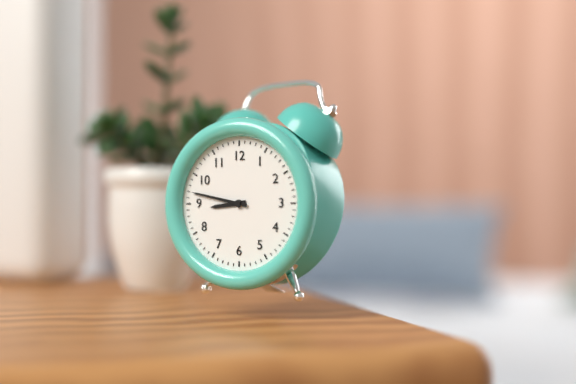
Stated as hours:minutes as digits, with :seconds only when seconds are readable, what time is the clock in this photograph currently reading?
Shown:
8:47
